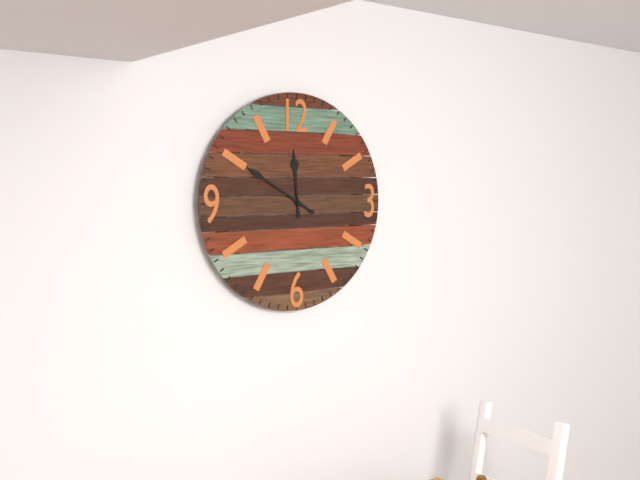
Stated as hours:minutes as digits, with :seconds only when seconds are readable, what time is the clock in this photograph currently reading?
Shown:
11:50
